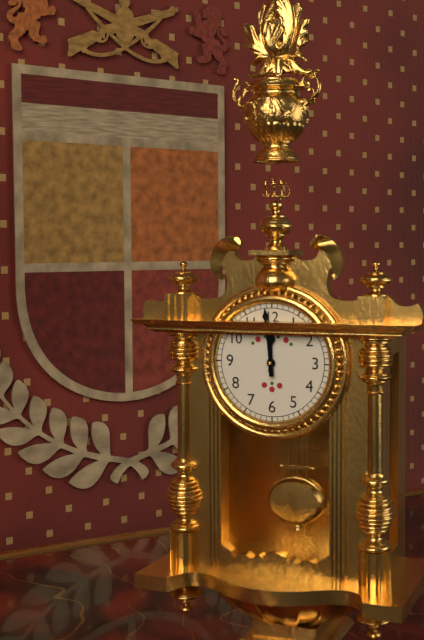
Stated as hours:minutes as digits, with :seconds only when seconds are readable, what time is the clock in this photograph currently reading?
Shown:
11:59
